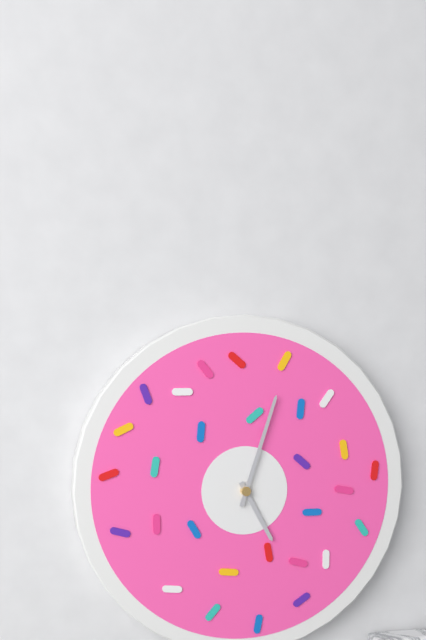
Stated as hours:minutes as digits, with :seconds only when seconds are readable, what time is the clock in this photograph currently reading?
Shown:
5:03
